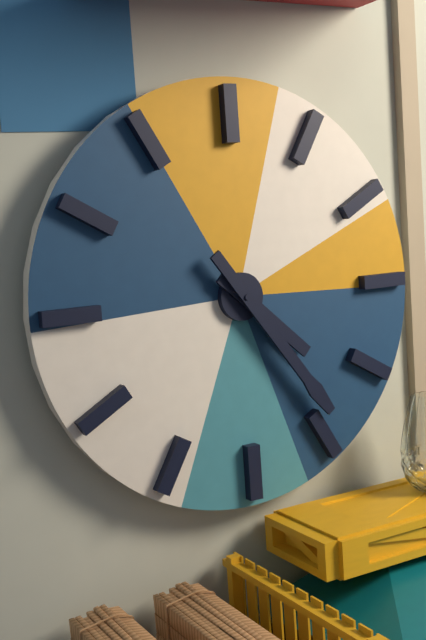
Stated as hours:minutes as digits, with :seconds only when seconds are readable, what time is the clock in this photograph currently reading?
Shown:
4:24
